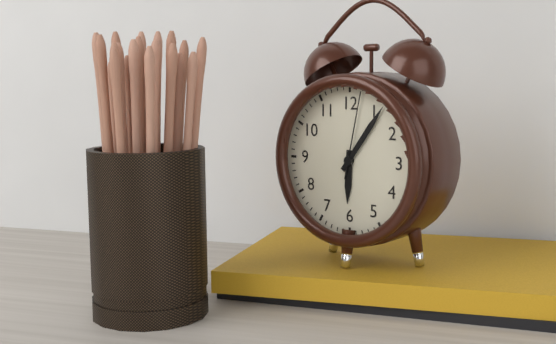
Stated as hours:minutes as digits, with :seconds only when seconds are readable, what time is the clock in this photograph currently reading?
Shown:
6:06:02
